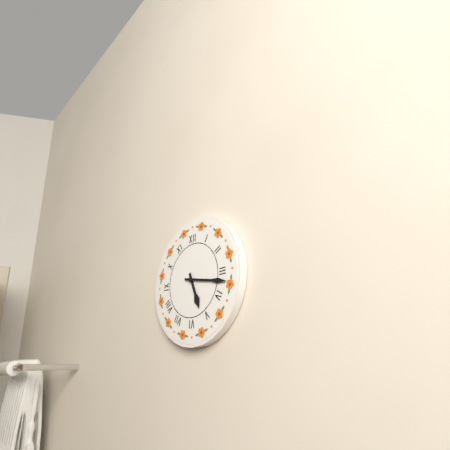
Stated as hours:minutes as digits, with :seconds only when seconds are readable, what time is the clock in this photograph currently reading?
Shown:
5:17
